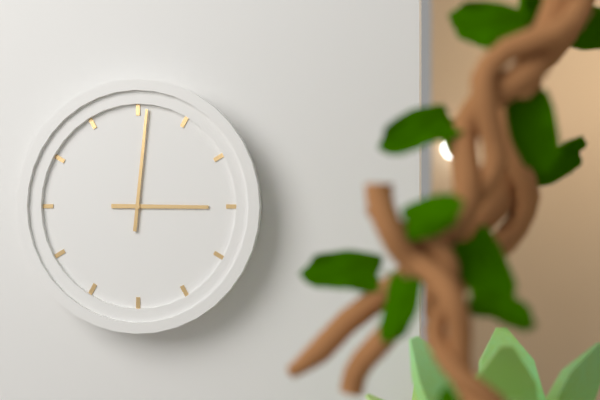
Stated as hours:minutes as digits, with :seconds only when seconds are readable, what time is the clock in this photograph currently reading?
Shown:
3:01
